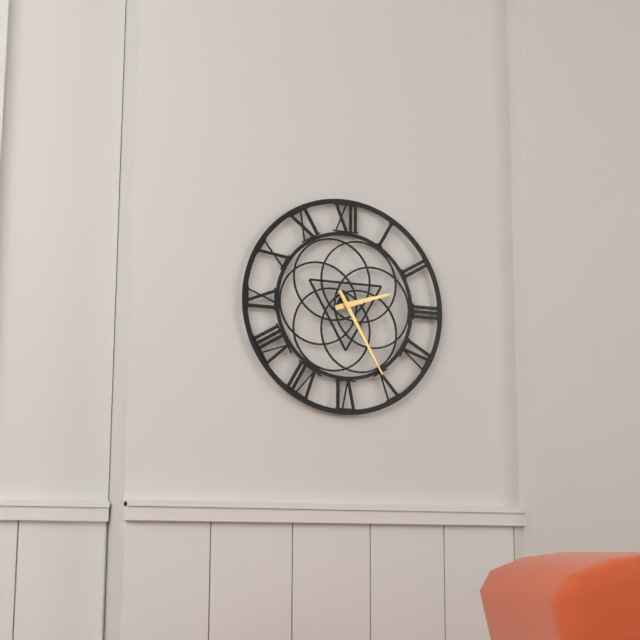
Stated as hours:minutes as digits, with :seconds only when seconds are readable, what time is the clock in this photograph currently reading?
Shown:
2:25
